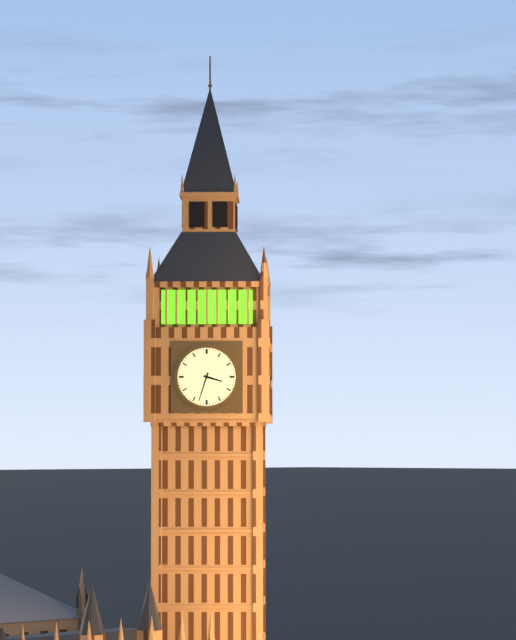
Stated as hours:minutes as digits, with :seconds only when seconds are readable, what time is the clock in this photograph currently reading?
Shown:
3:33
